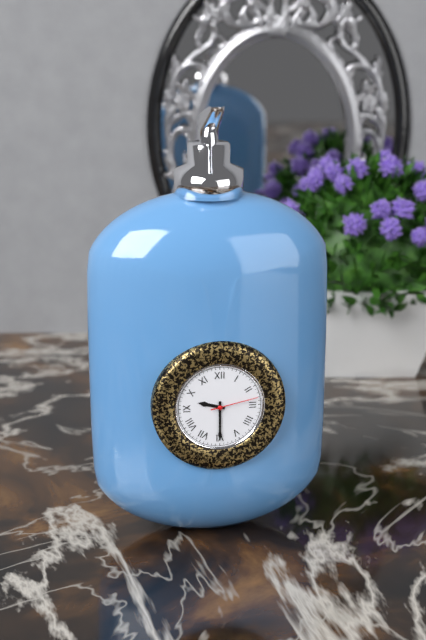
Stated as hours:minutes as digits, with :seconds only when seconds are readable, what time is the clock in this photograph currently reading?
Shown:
9:30
